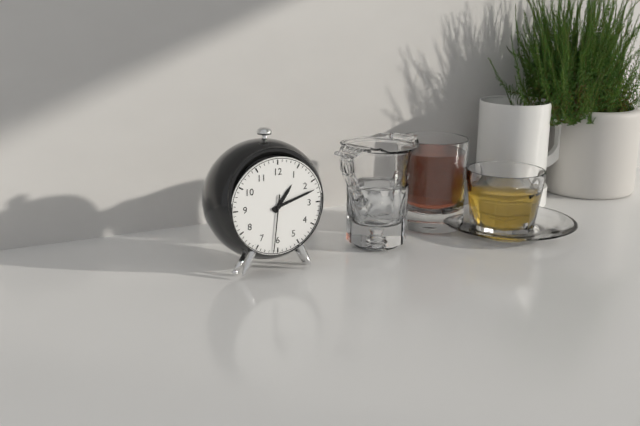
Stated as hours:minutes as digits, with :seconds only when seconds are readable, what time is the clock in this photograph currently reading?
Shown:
1:12:31
